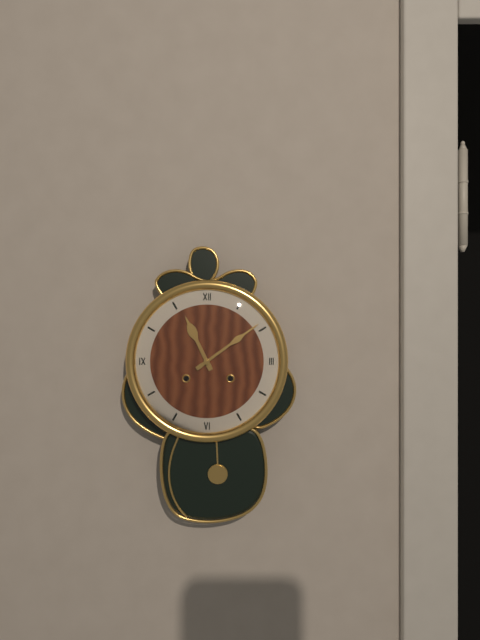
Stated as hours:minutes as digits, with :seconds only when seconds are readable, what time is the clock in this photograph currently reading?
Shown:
11:09
